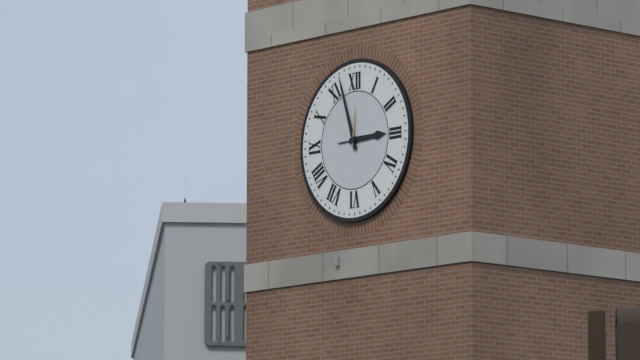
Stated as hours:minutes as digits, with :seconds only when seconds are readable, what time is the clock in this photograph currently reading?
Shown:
2:57
